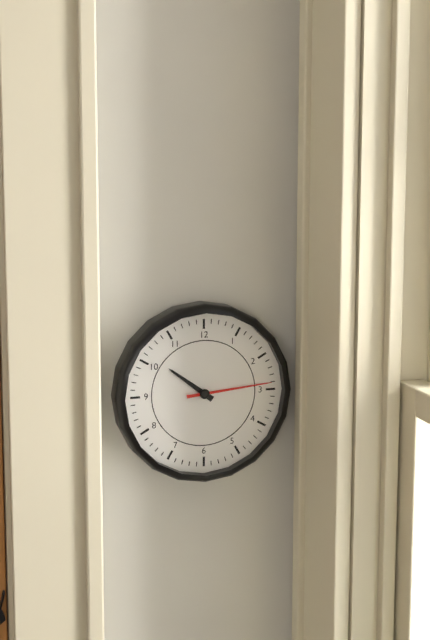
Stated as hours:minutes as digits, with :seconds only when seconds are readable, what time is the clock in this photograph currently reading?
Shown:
10:14
